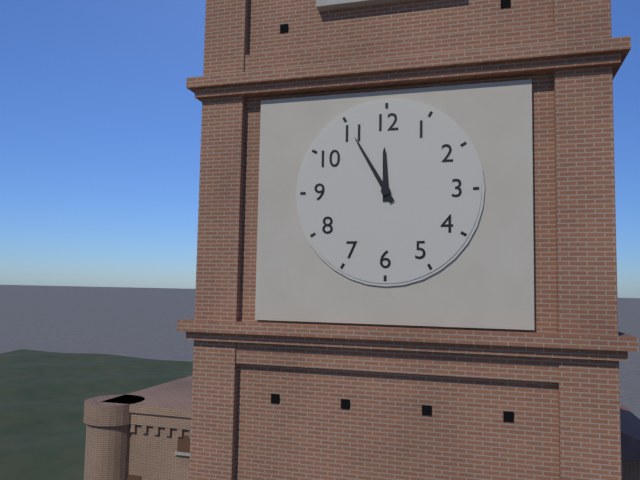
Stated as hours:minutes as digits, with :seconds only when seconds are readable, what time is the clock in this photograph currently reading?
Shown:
11:55
